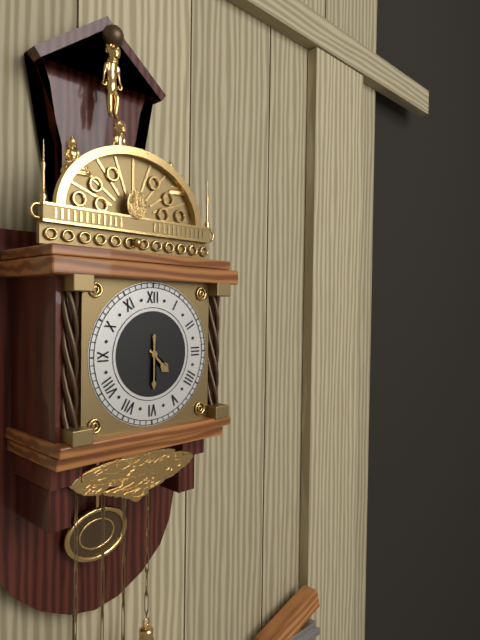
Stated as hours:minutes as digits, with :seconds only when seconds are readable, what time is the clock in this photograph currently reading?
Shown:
4:30
